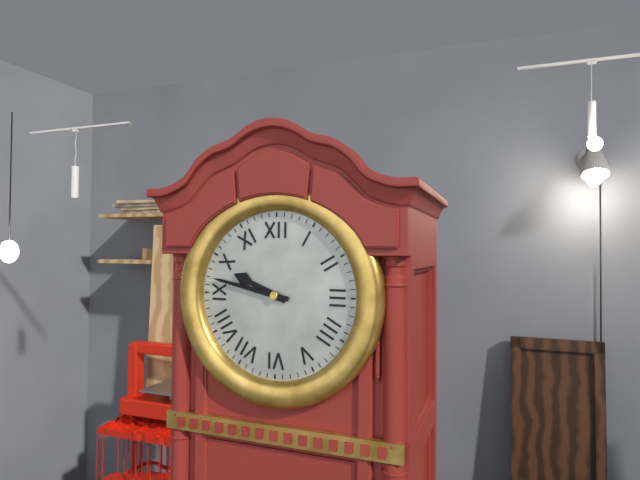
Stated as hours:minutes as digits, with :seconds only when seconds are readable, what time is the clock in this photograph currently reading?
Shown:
9:47
